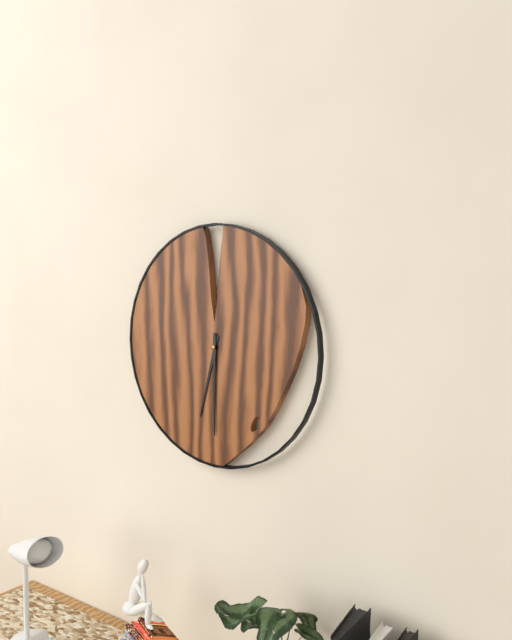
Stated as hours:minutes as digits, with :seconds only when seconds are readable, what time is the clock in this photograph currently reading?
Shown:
6:30
